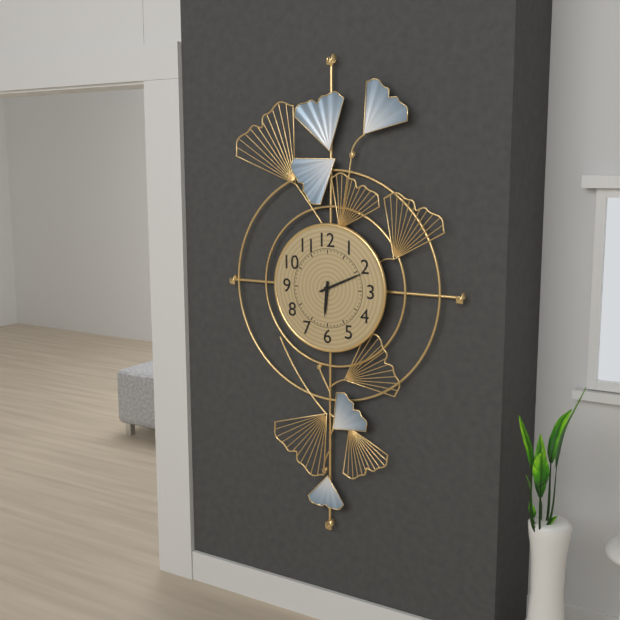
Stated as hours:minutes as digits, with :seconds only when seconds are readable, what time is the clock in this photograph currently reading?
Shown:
6:11
